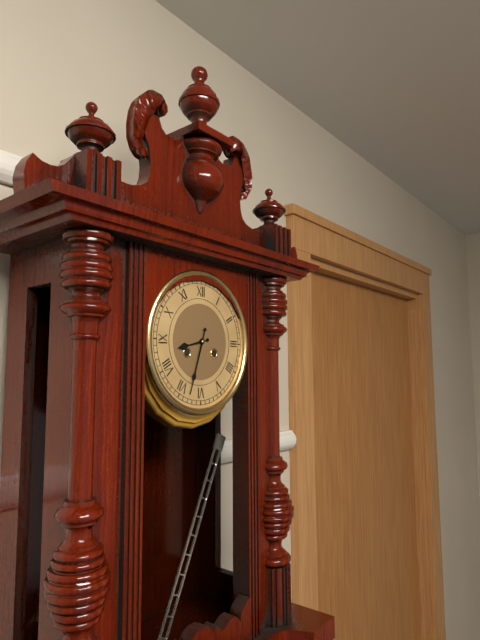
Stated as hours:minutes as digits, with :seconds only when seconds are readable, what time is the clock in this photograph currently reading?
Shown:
8:33
